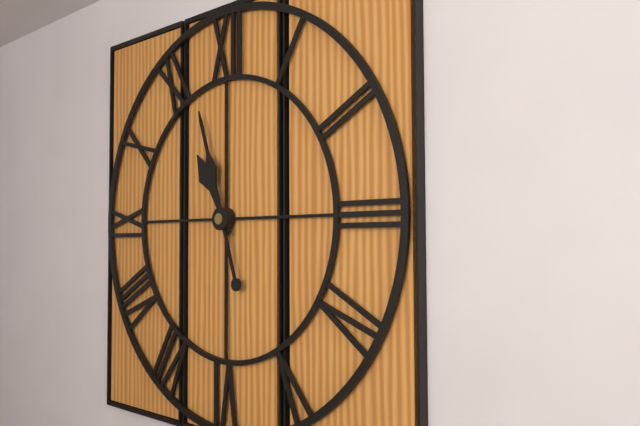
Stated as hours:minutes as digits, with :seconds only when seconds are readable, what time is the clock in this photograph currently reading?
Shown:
10:57
